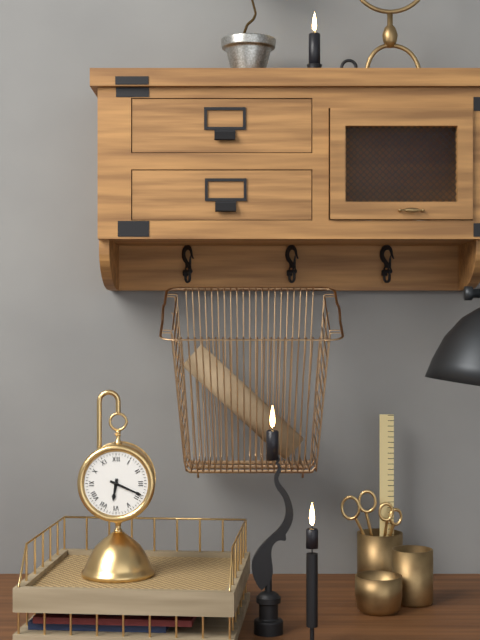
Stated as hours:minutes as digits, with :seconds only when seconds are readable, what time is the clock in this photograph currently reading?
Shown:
6:19
